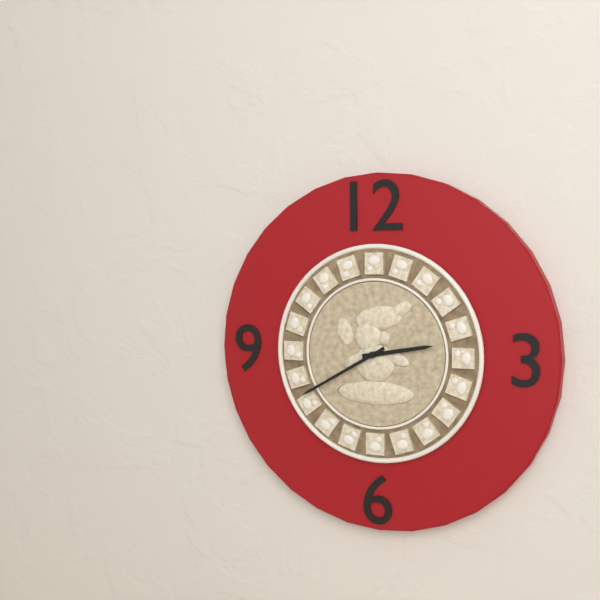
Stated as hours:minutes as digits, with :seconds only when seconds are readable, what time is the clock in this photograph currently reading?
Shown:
2:40
